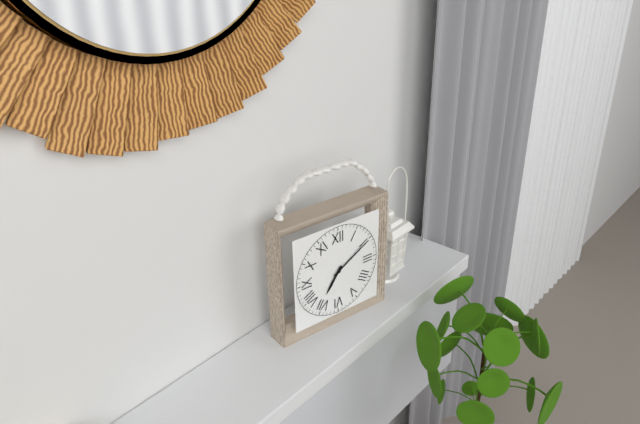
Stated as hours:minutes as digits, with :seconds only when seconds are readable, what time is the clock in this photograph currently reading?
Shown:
7:10
